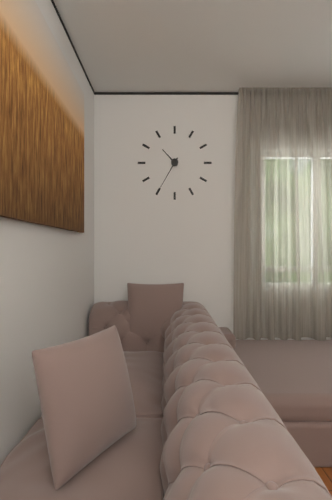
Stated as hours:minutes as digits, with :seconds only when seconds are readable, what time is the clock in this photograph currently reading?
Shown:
10:35
